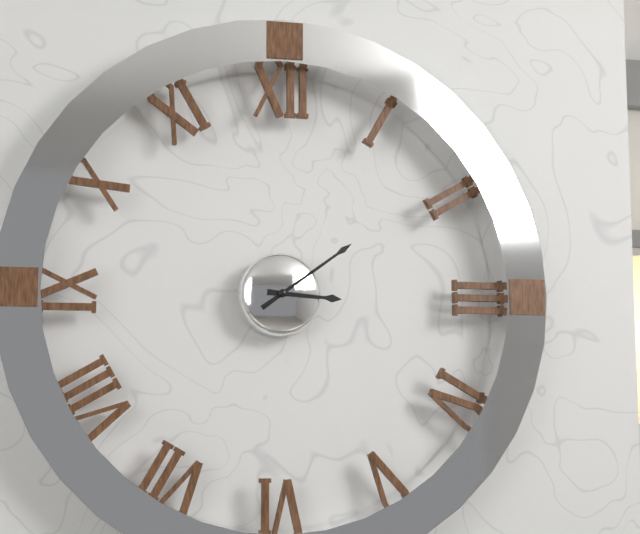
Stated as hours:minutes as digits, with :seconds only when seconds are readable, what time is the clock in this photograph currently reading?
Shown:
3:09
